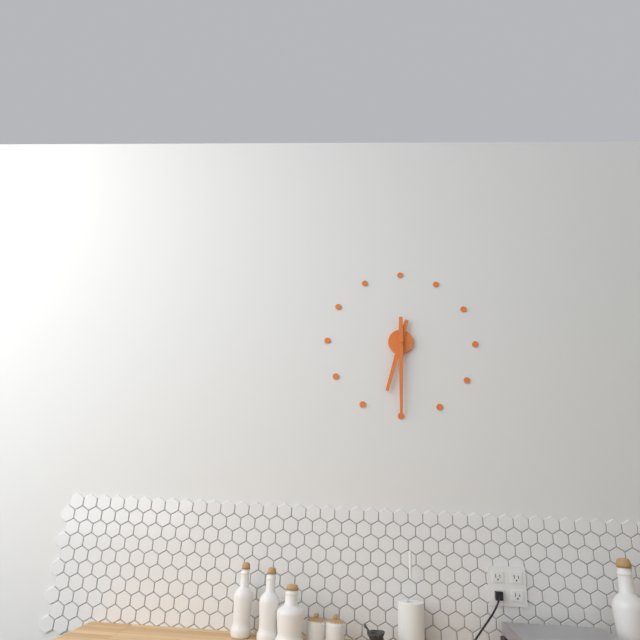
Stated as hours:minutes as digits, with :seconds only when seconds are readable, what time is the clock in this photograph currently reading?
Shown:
6:30
